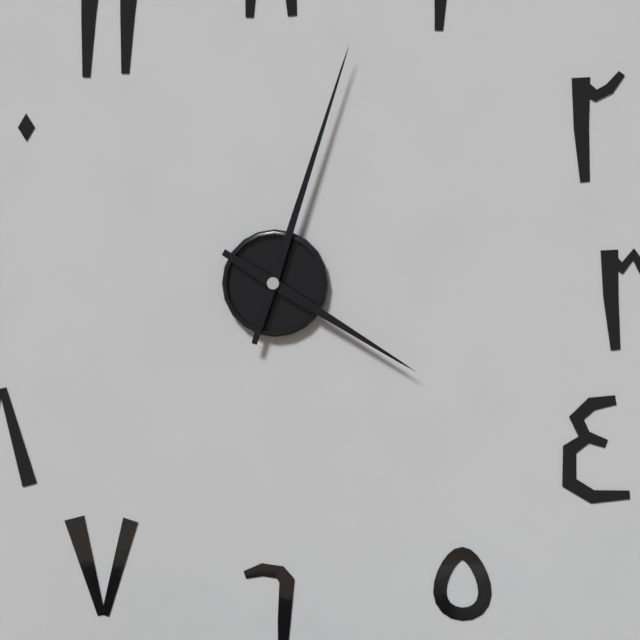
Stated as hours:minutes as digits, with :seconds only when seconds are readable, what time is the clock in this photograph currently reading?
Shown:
4:03
